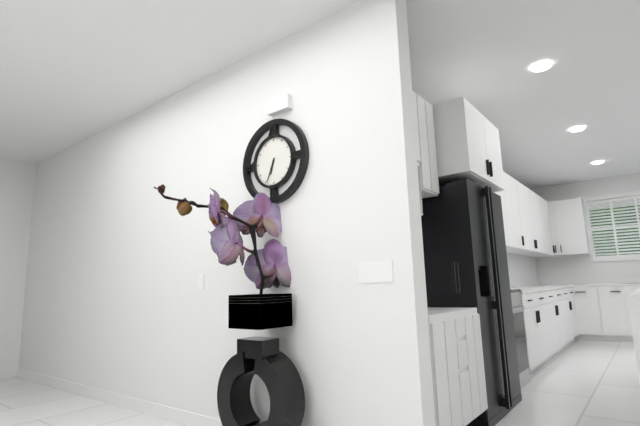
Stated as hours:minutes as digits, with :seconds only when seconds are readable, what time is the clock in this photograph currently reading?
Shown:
6:34
